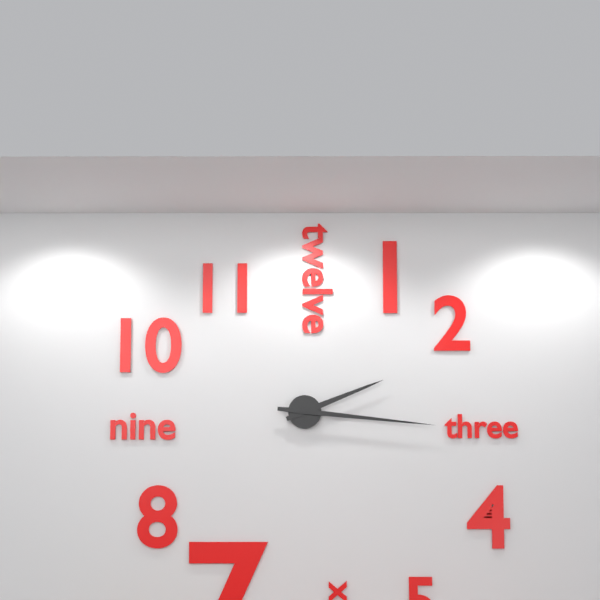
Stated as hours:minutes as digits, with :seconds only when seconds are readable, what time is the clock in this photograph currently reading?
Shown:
2:16
